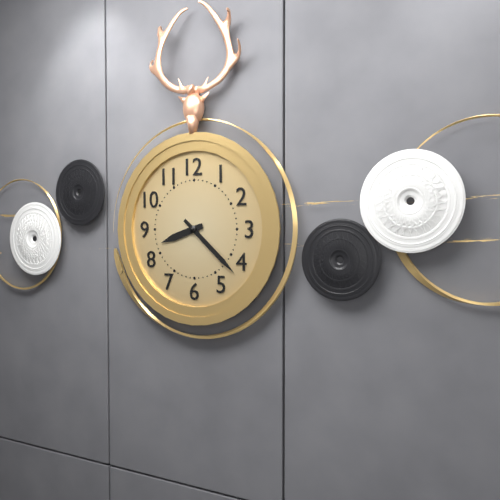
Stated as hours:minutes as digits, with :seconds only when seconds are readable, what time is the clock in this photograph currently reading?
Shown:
8:22
